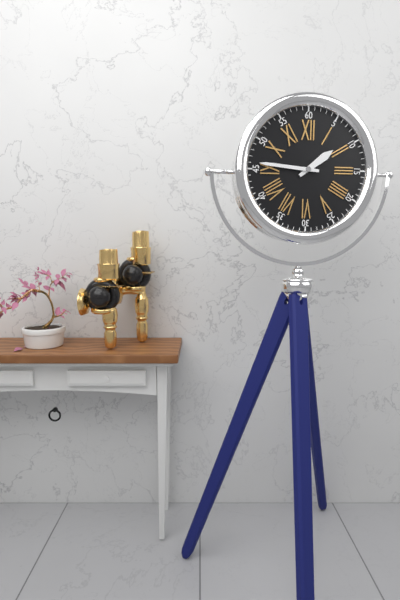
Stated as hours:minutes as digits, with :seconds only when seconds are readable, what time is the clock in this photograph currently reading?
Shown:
1:46
